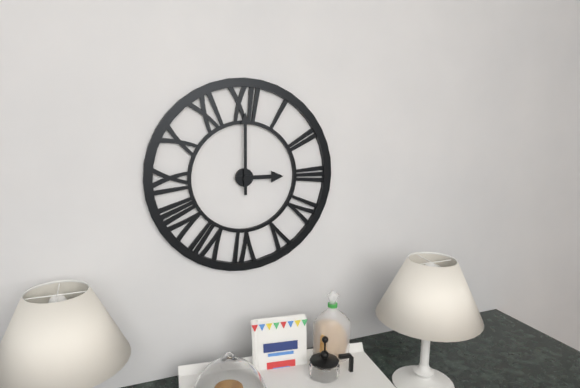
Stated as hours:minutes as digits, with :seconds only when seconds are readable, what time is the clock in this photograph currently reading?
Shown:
3:00
